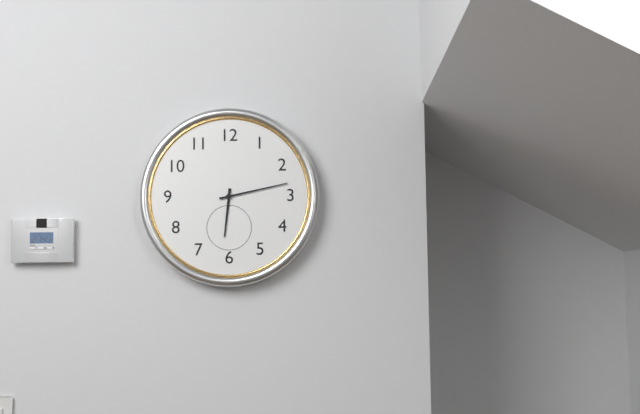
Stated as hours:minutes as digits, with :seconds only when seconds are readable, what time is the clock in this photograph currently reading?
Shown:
6:13
